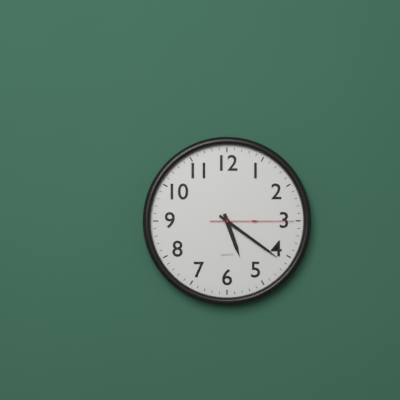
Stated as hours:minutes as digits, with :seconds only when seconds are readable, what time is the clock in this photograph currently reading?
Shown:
5:21:15
